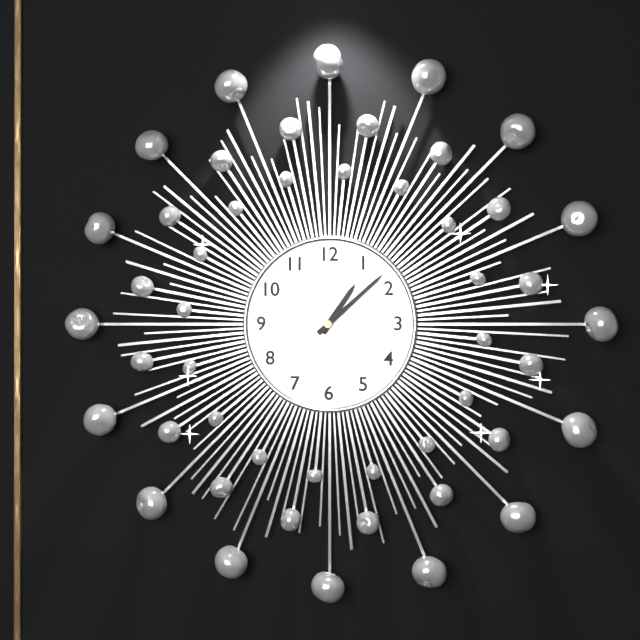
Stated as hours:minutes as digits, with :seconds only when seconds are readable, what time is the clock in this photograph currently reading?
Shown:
1:08
